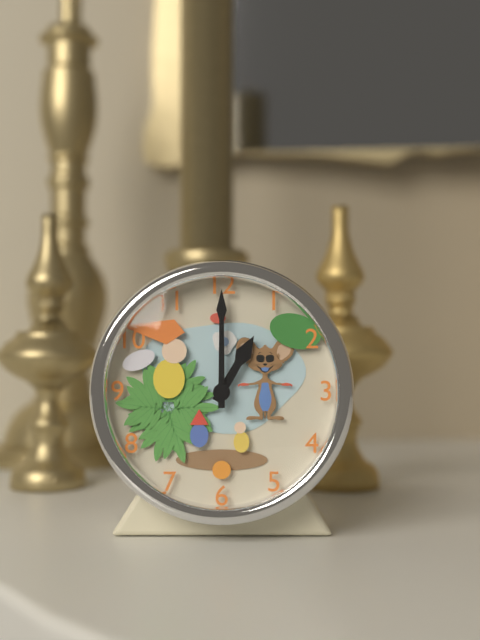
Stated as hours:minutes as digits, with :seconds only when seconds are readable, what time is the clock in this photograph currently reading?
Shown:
1:00
